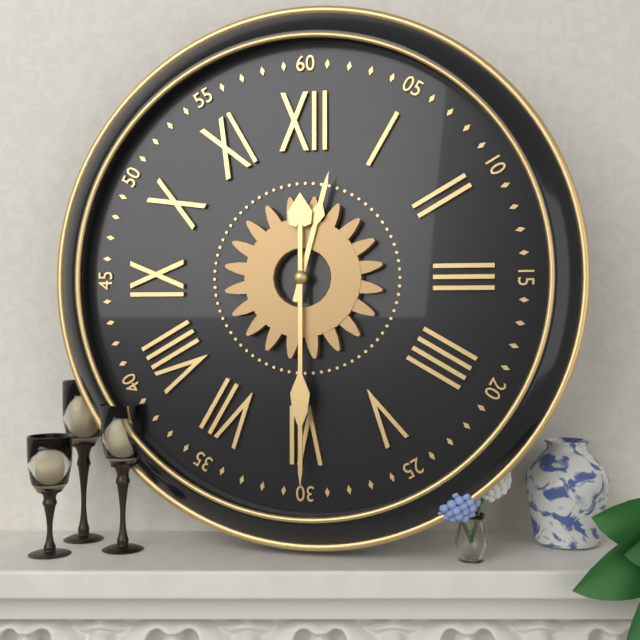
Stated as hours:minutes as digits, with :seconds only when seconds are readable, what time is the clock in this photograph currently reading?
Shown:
12:30
